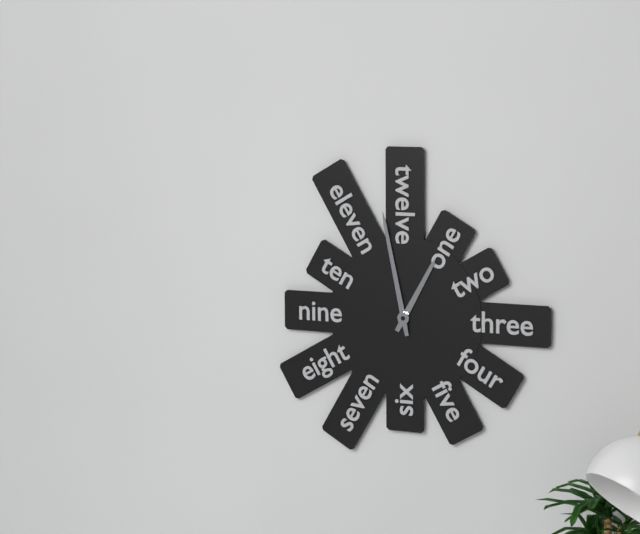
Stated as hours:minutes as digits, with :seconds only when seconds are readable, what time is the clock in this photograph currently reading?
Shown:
12:58
